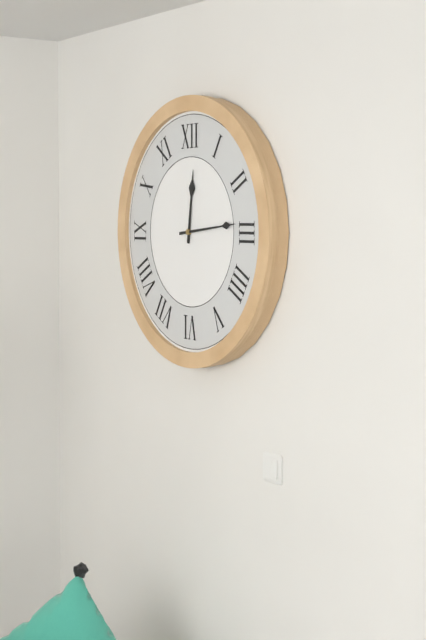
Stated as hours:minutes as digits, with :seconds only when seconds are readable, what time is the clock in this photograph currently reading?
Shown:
12:14
